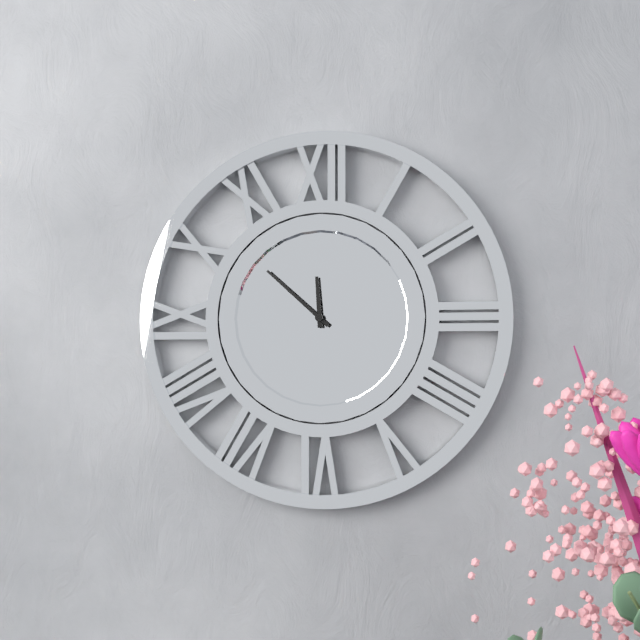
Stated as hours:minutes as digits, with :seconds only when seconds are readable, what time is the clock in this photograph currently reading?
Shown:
11:52
